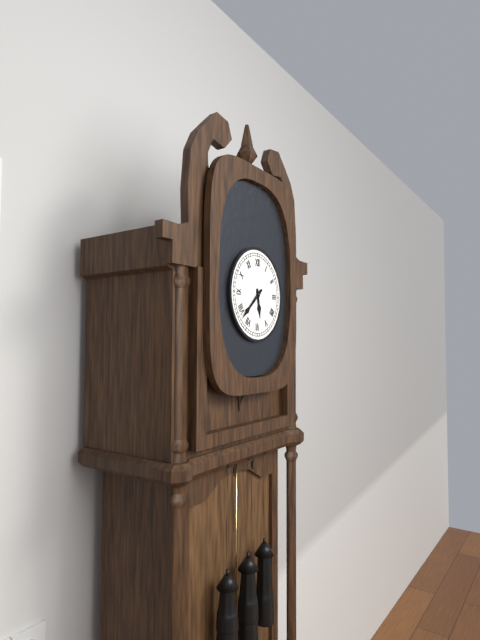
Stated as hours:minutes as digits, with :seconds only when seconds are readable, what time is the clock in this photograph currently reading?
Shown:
5:38
